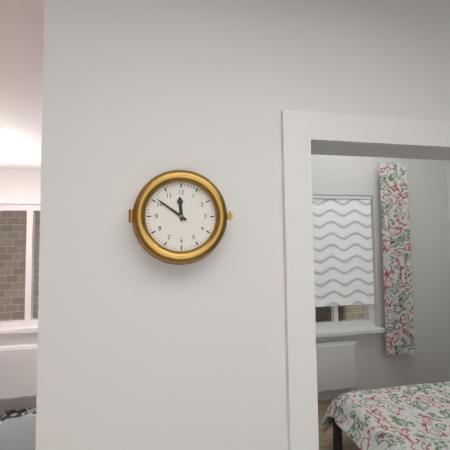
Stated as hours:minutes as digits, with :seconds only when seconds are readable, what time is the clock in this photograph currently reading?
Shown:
11:51
